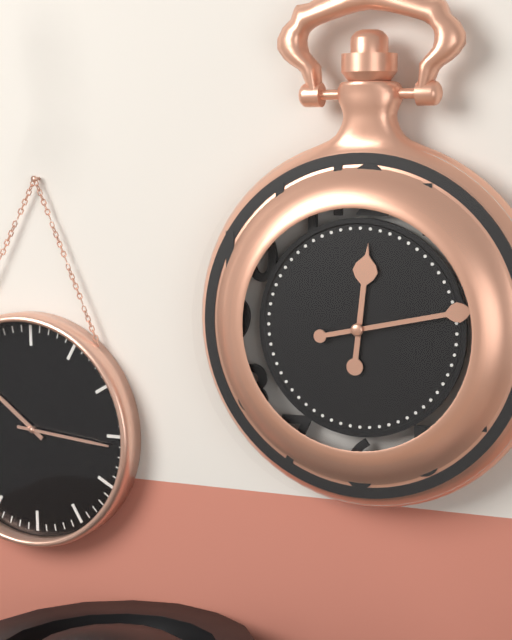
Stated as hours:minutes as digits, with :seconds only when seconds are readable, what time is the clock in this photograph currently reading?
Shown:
12:13
